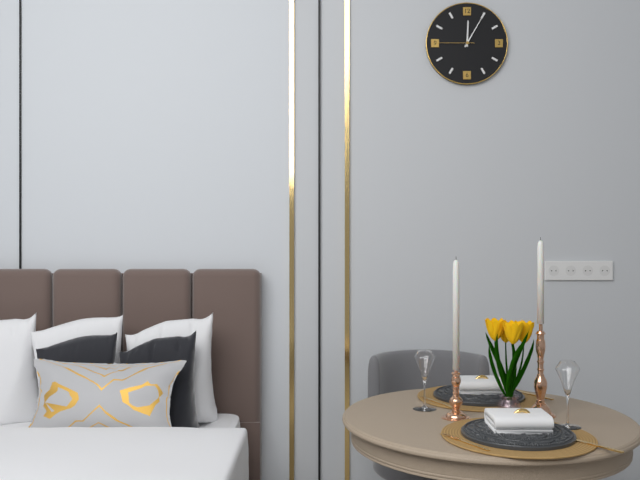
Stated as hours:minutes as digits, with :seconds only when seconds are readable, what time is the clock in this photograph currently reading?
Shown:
12:05
